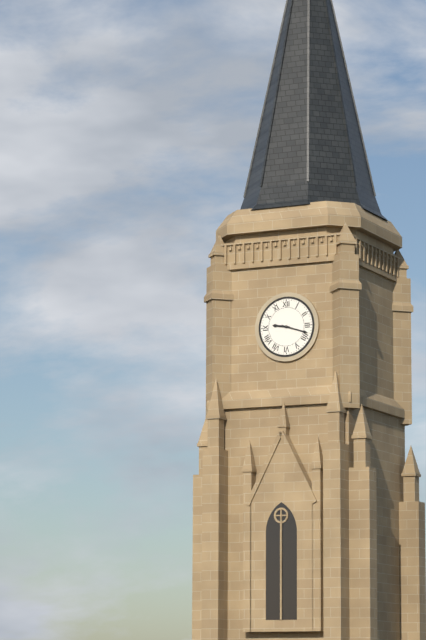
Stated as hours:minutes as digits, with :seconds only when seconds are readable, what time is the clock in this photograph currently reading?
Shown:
9:18
